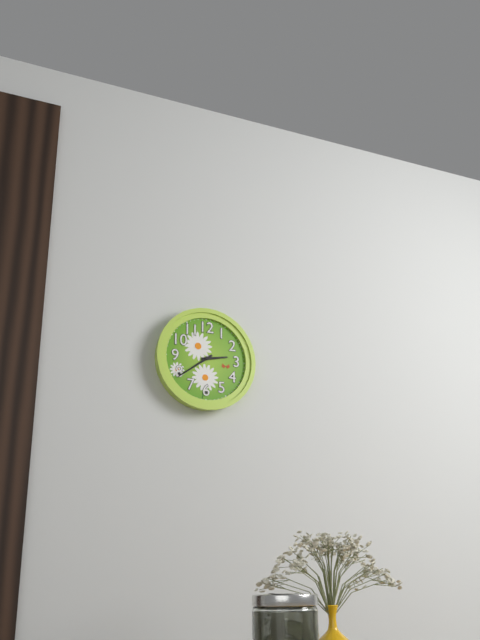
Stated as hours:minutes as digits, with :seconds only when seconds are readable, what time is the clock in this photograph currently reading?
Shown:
2:39
